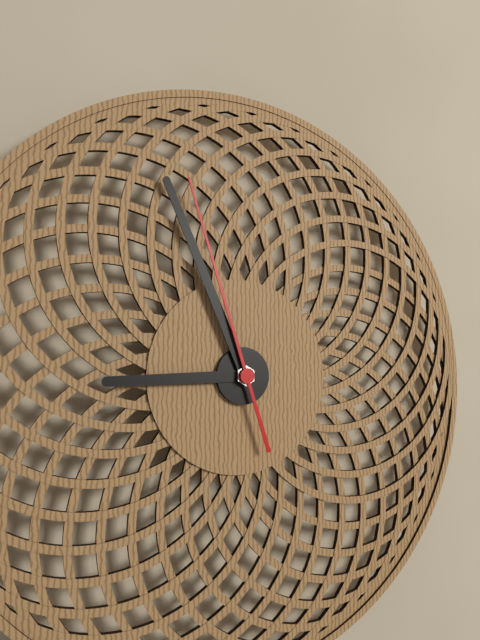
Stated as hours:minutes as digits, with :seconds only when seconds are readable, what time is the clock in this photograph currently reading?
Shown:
8:56:57
